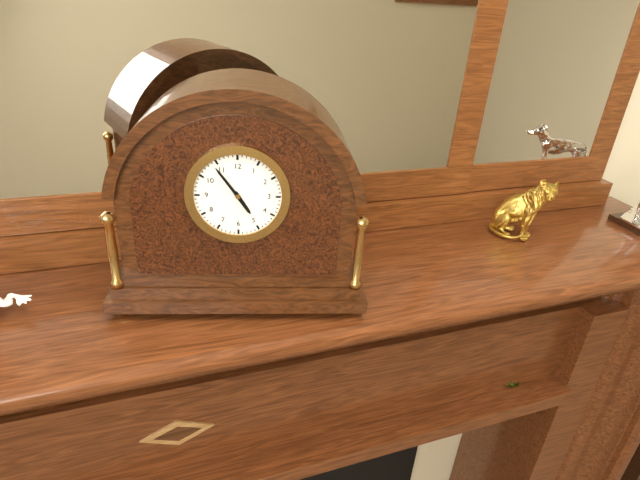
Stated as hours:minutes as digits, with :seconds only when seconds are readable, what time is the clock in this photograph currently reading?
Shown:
4:54
